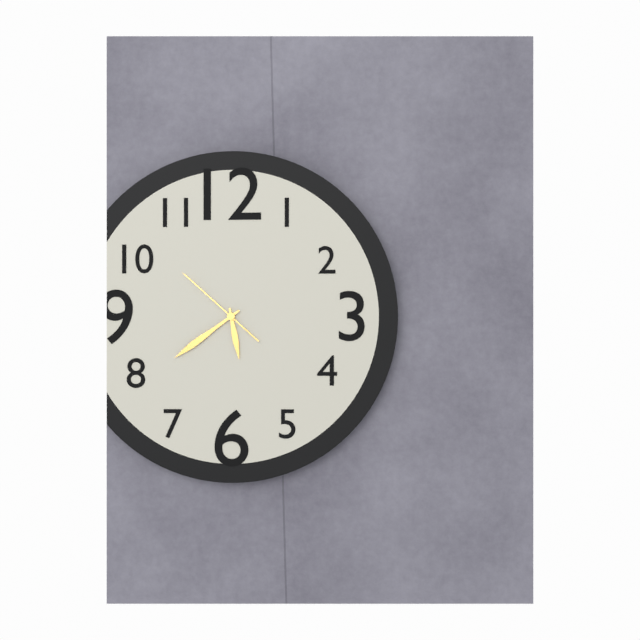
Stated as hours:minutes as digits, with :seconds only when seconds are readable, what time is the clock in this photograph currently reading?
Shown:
5:39:52
